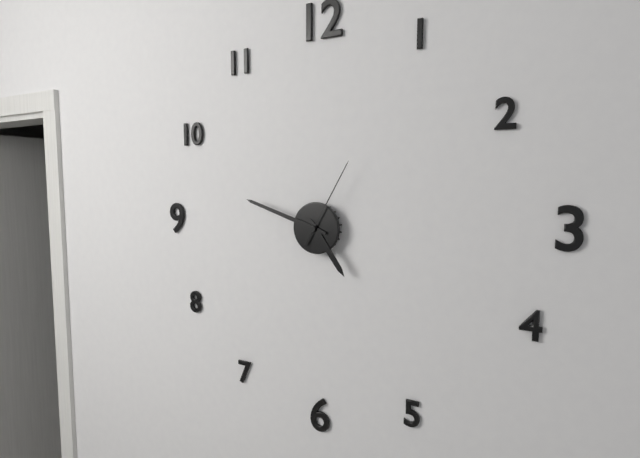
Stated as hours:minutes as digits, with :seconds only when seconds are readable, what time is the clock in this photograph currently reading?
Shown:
4:48:05
